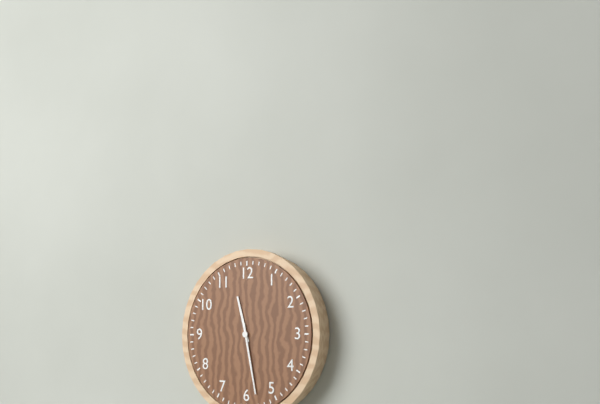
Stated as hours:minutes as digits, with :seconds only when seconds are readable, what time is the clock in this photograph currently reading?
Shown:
11:28
